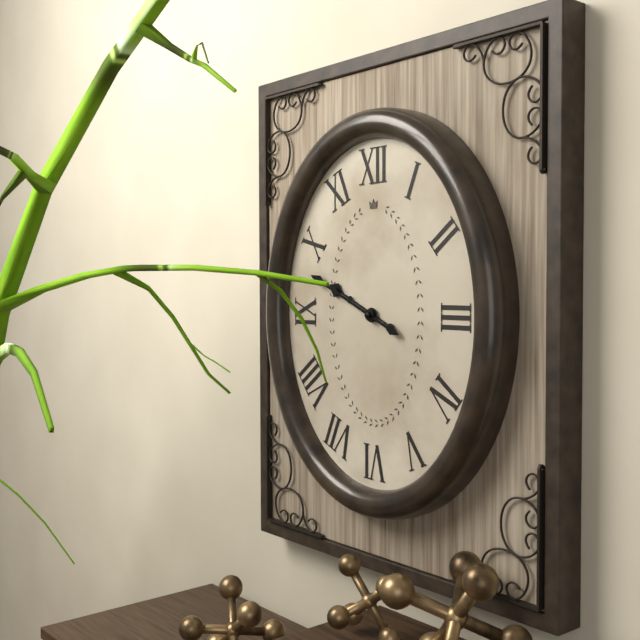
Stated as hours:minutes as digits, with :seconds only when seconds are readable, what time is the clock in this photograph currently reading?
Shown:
9:49
